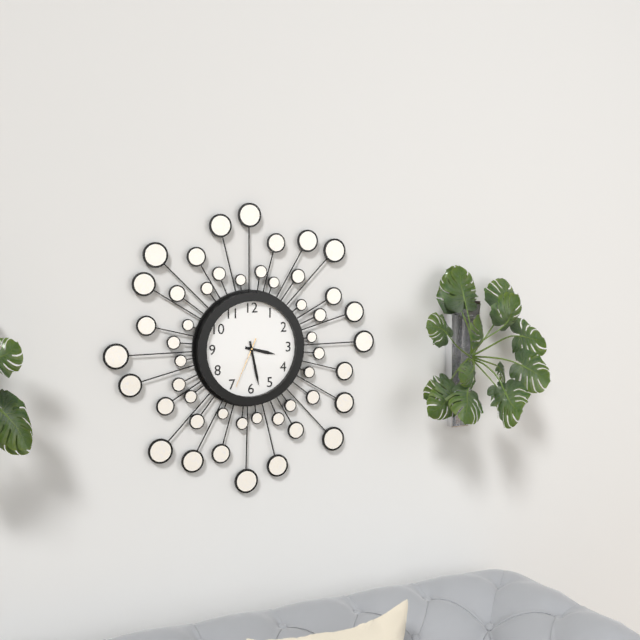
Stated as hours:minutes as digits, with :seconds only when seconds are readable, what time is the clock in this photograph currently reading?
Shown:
3:28:34
